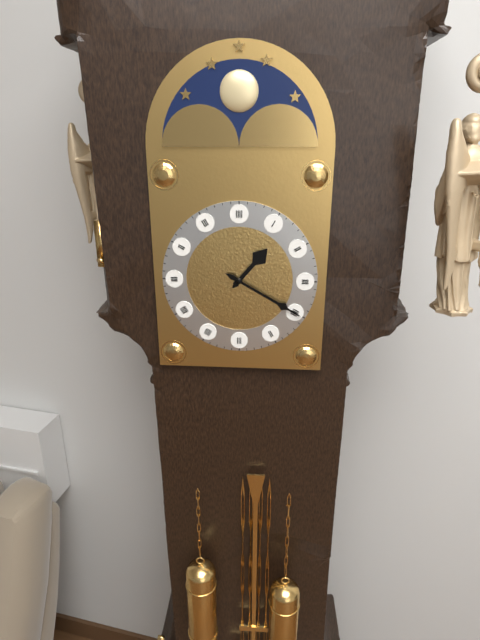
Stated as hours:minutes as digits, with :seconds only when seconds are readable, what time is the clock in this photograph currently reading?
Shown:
1:20
